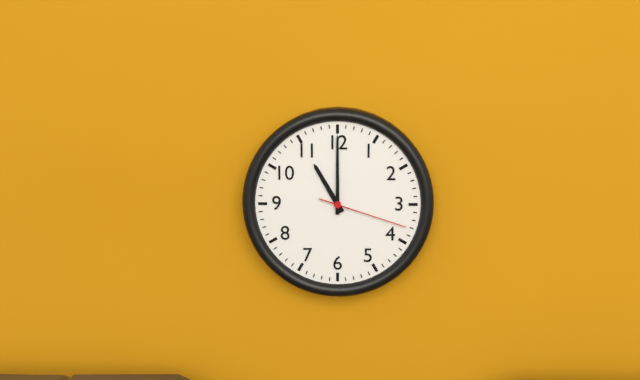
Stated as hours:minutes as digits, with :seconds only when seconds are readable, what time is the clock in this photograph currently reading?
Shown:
11:00:18
